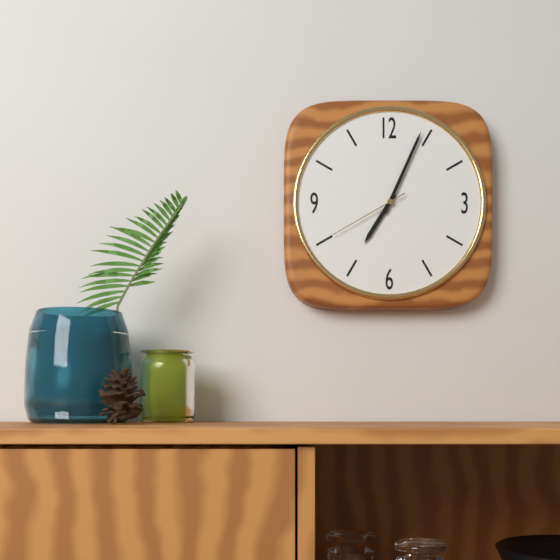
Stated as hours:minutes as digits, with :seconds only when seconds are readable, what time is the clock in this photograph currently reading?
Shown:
7:04:40
